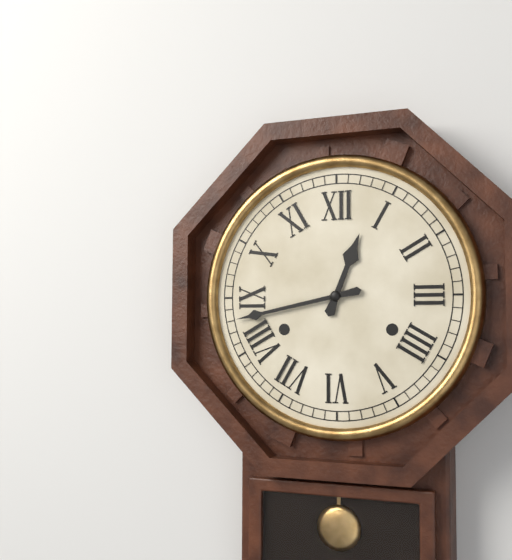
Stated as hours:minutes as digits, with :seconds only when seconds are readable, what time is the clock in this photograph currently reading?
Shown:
12:43
